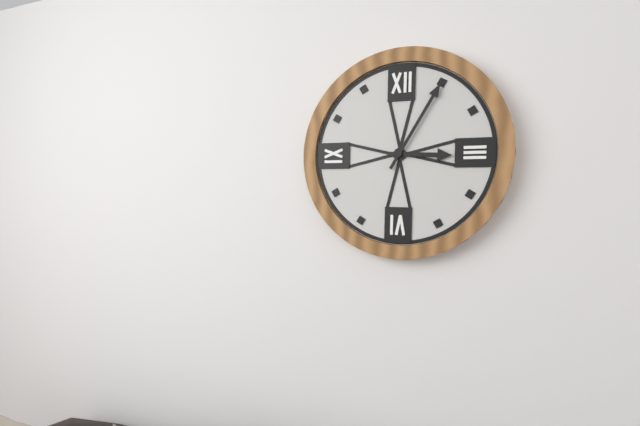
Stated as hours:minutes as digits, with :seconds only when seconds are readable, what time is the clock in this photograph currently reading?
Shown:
3:05
